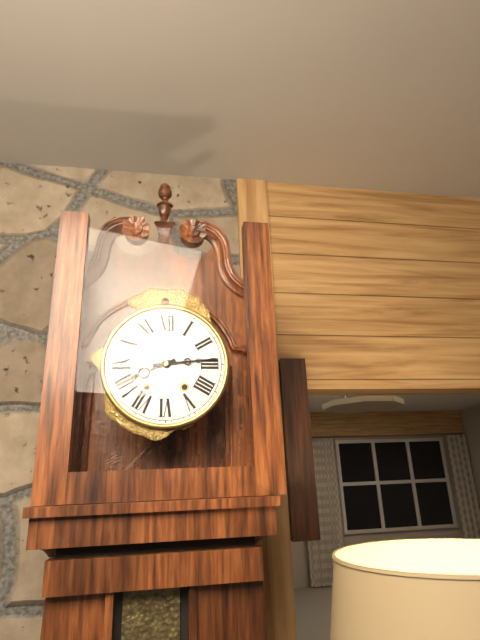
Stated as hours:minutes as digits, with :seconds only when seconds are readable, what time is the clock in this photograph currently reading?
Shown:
8:14
